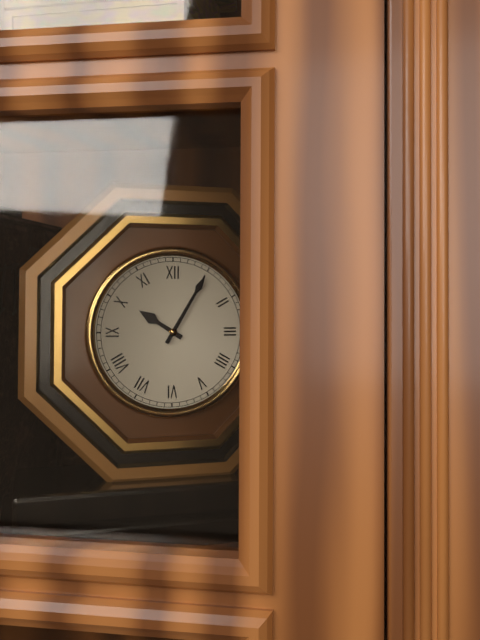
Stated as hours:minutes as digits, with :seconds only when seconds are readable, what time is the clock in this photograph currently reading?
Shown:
10:05
